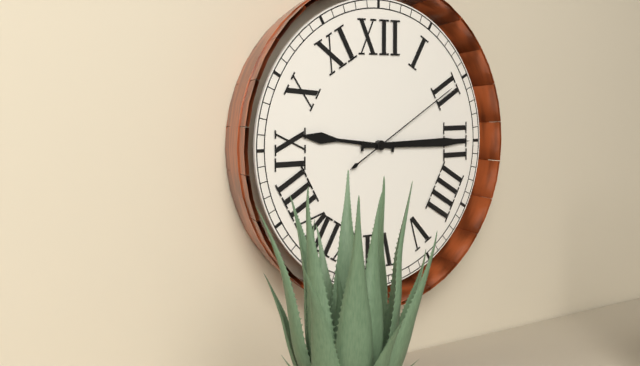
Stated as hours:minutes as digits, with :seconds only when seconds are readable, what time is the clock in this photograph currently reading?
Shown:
9:15:10
